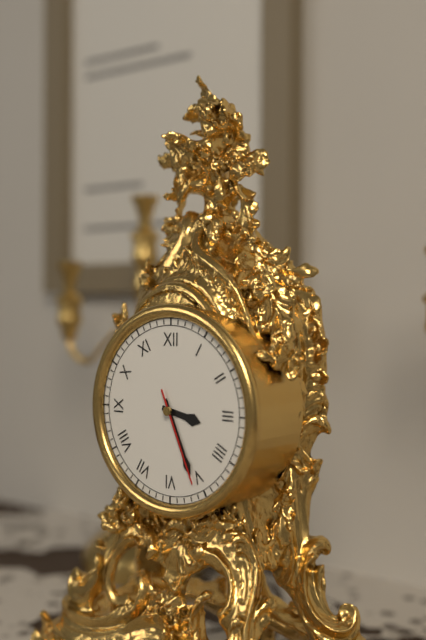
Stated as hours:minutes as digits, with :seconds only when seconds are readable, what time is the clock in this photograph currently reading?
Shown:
3:26:26
